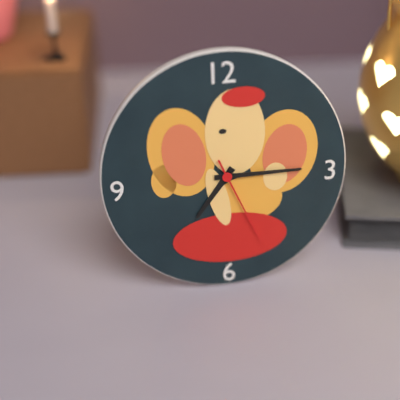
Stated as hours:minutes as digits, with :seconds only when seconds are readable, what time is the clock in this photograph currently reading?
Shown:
7:15:26
